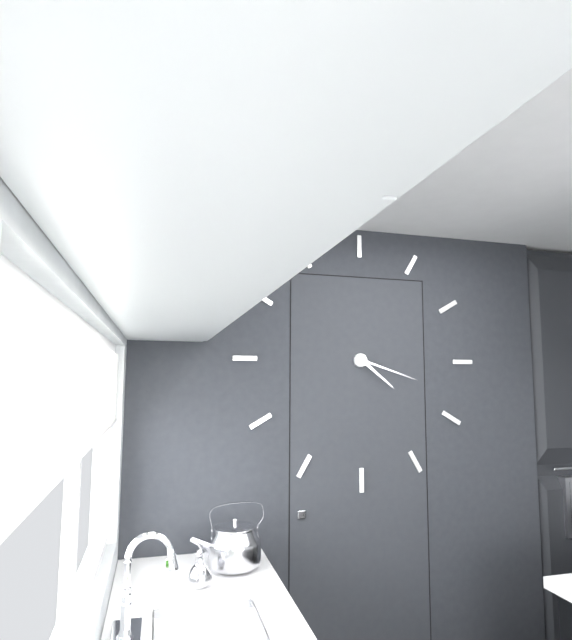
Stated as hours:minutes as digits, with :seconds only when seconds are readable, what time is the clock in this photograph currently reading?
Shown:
4:18
